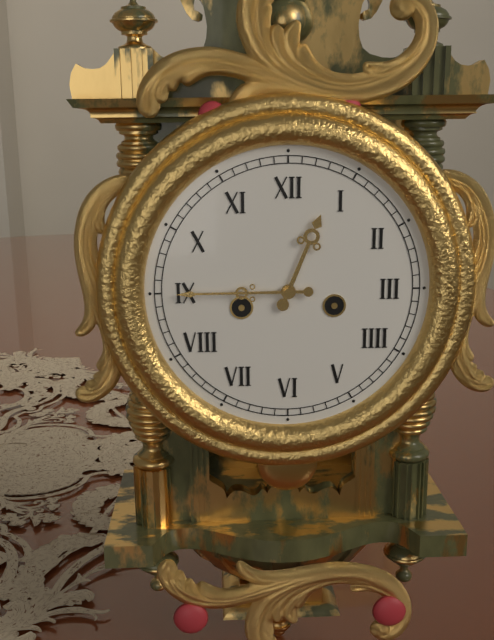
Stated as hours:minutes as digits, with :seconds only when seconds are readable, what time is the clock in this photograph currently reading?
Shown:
12:45
